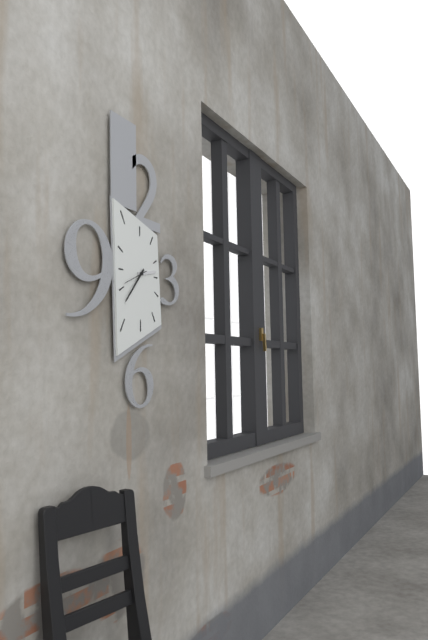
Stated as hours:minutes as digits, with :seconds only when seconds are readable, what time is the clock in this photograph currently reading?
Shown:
2:37
